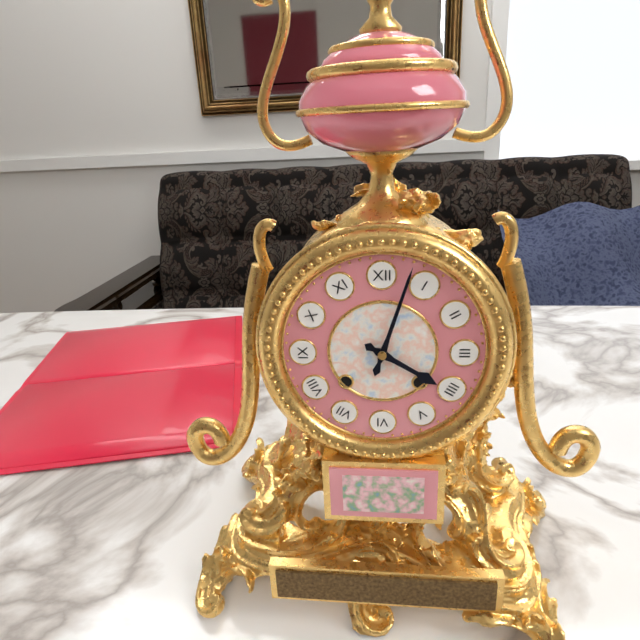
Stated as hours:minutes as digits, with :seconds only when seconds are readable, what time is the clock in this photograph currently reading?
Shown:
4:03
